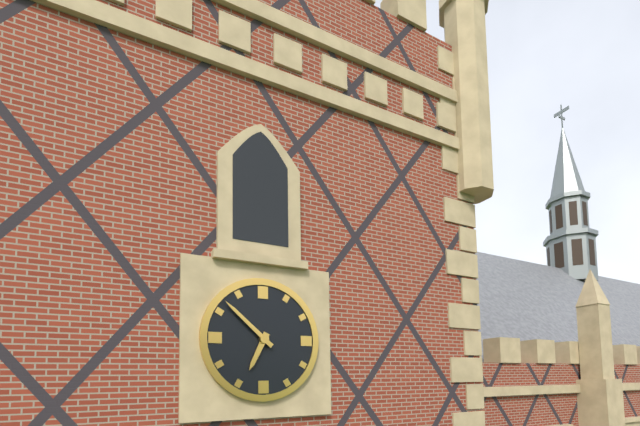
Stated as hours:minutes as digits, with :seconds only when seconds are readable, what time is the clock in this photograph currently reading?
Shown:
6:52
